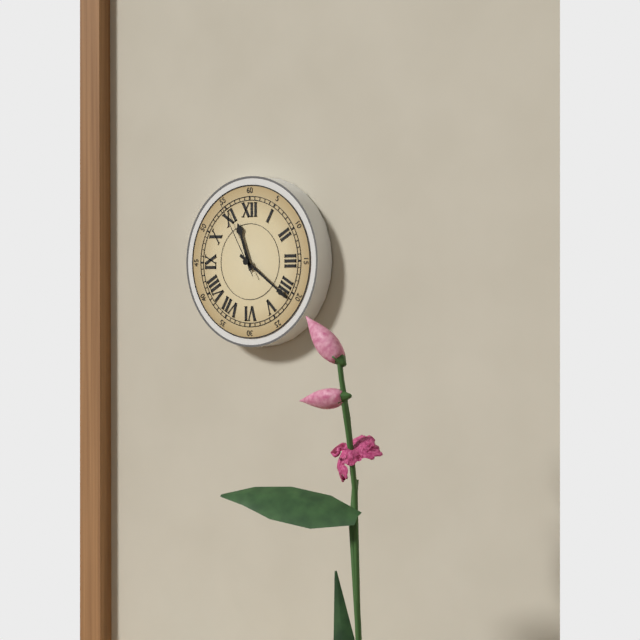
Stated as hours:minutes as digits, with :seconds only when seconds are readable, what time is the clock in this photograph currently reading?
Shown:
11:21:55
